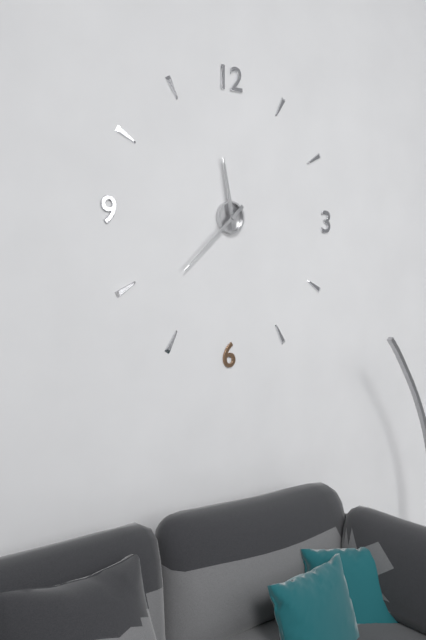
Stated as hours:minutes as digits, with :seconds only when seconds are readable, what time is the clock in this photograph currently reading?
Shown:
11:38
